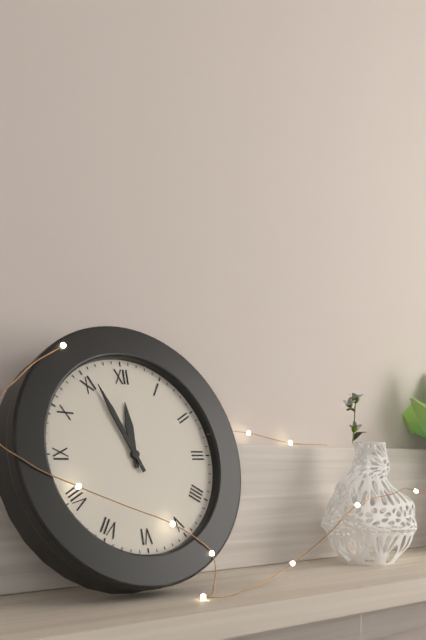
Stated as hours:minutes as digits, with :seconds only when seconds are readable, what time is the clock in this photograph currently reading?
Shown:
11:56
